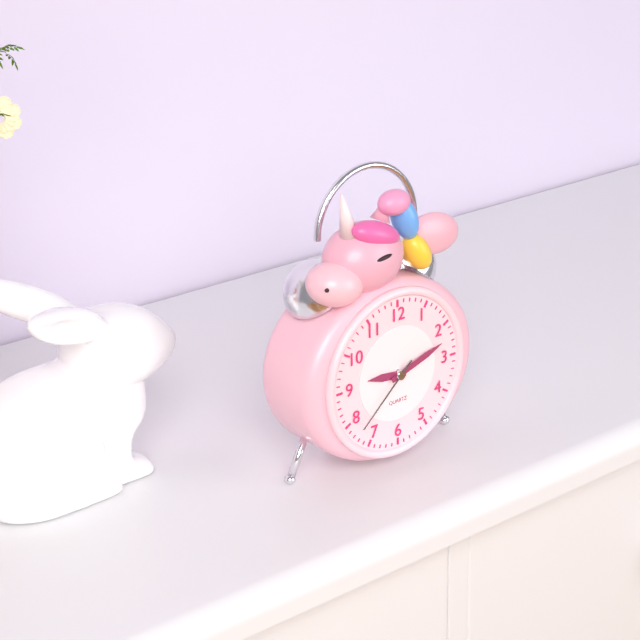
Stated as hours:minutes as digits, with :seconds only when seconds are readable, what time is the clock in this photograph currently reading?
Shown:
9:12:38
